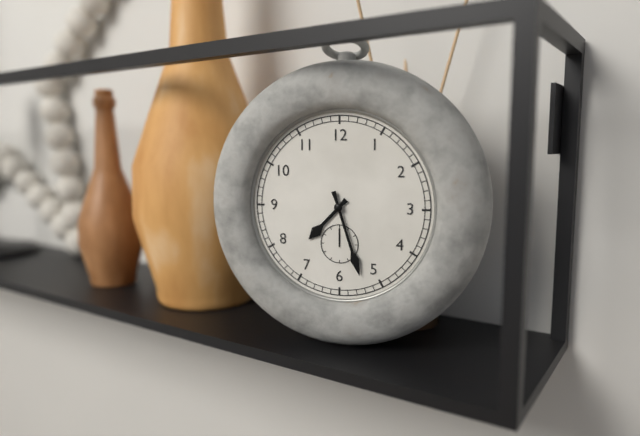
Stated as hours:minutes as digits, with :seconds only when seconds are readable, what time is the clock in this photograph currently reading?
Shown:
7:27
